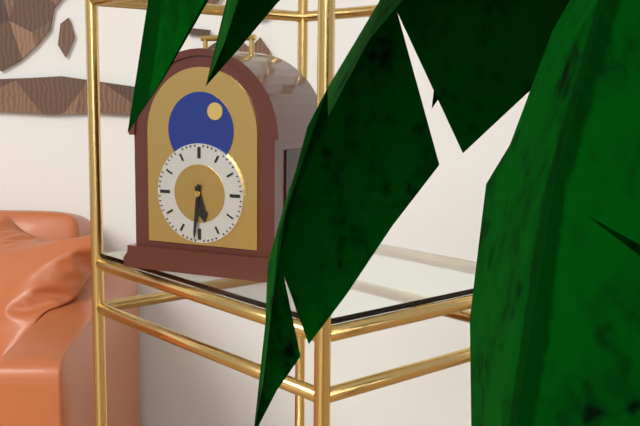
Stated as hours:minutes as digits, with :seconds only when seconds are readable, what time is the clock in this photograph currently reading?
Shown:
5:31
